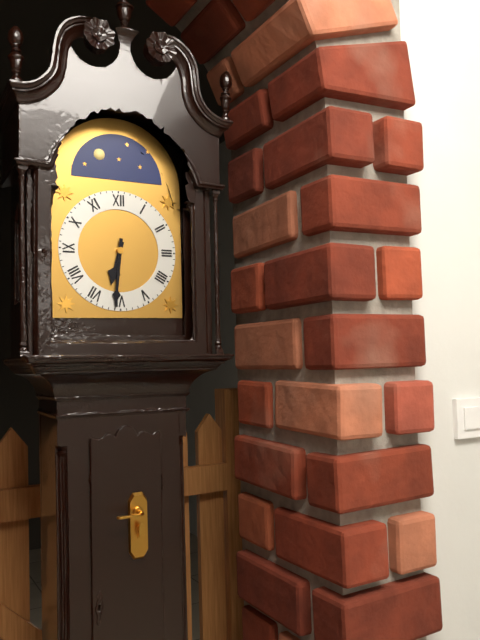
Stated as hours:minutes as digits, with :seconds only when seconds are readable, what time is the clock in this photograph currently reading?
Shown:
6:31
